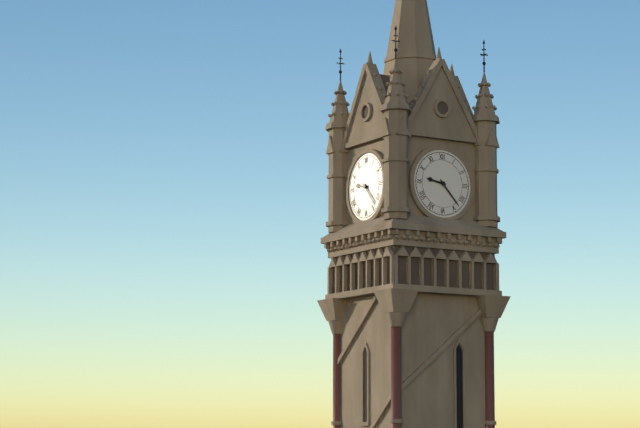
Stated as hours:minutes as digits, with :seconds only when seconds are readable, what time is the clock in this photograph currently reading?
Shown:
9:23
